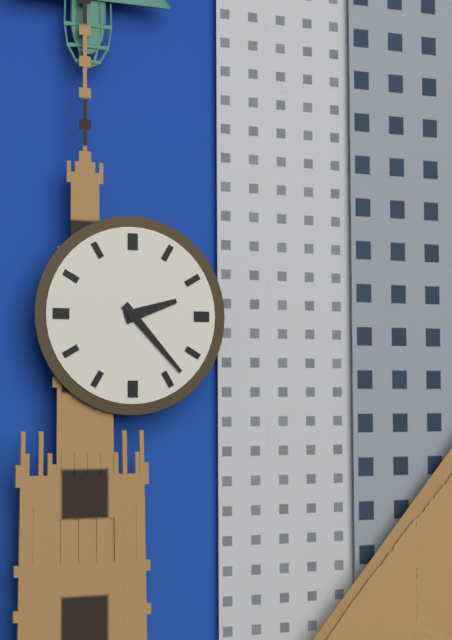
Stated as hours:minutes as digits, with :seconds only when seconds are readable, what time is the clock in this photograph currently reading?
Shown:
2:23
